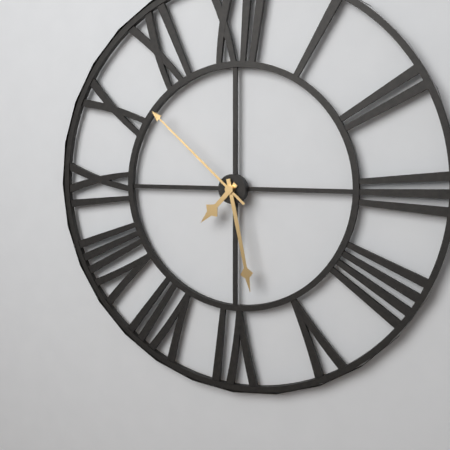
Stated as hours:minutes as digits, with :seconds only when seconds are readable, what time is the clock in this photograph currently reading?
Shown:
7:28:52
